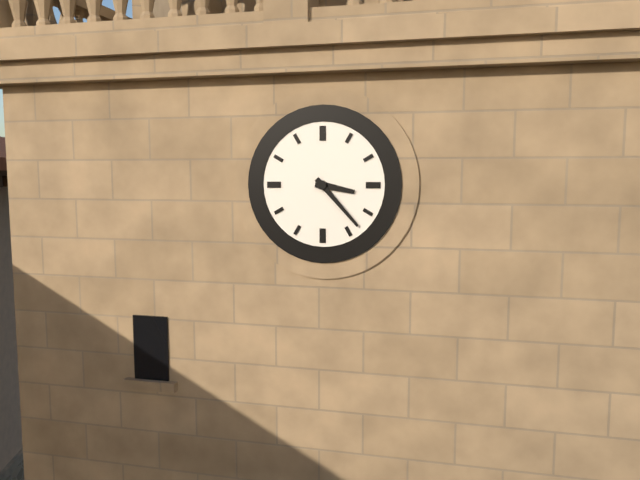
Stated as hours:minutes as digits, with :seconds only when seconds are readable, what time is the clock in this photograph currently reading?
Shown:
3:23
